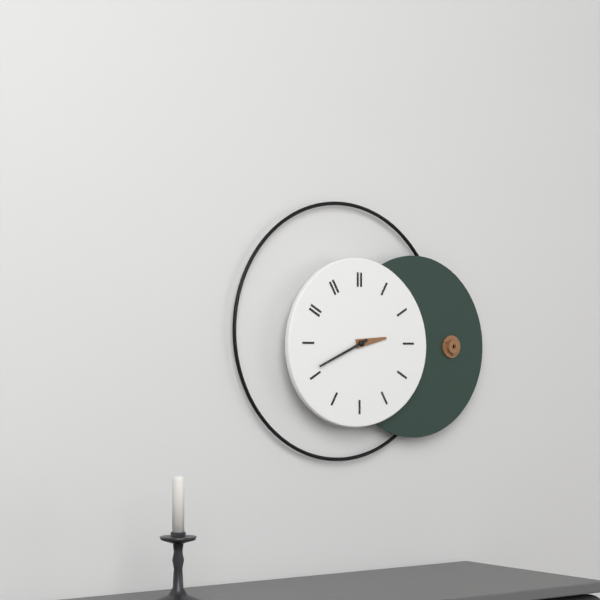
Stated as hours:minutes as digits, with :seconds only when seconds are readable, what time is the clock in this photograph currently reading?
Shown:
2:41
